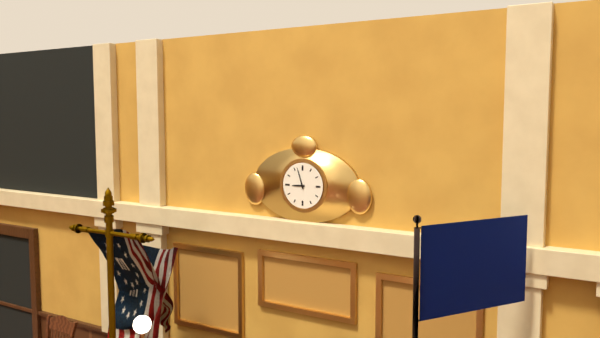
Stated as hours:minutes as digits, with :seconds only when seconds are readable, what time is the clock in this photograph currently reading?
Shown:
8:57
